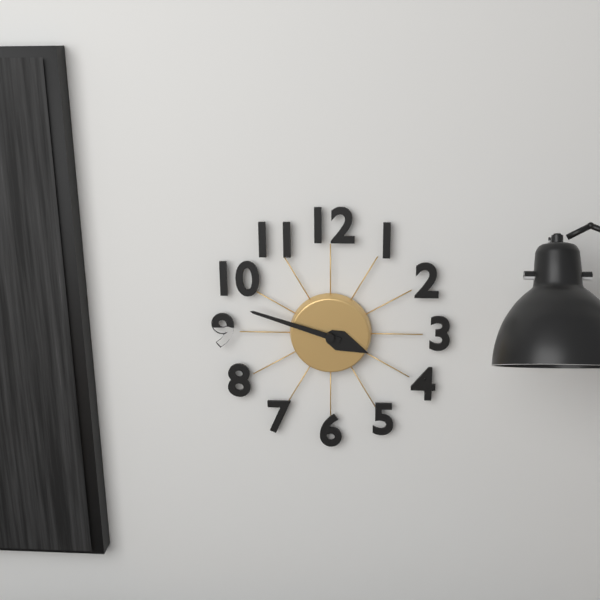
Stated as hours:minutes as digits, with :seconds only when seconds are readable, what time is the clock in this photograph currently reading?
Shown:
3:48
